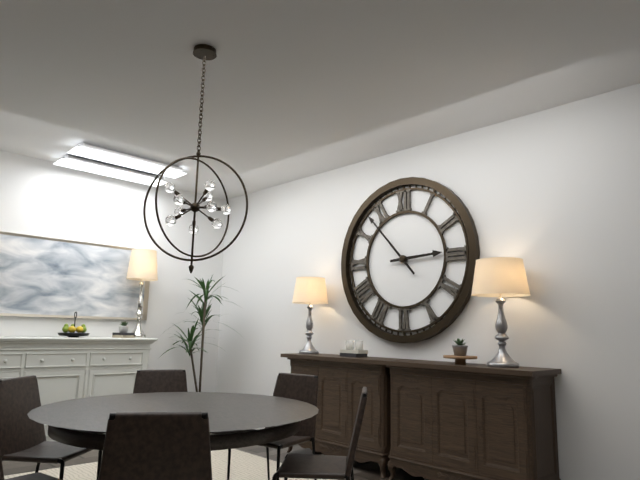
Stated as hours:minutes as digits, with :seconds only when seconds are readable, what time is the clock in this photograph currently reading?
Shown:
2:53
